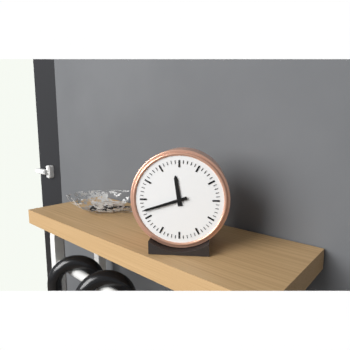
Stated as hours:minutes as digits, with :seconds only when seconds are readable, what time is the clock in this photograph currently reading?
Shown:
11:42
